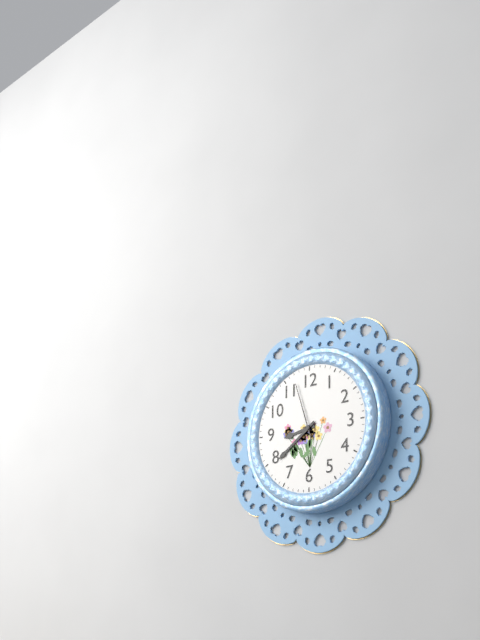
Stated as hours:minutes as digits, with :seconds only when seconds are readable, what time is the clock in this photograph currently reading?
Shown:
8:39:57
